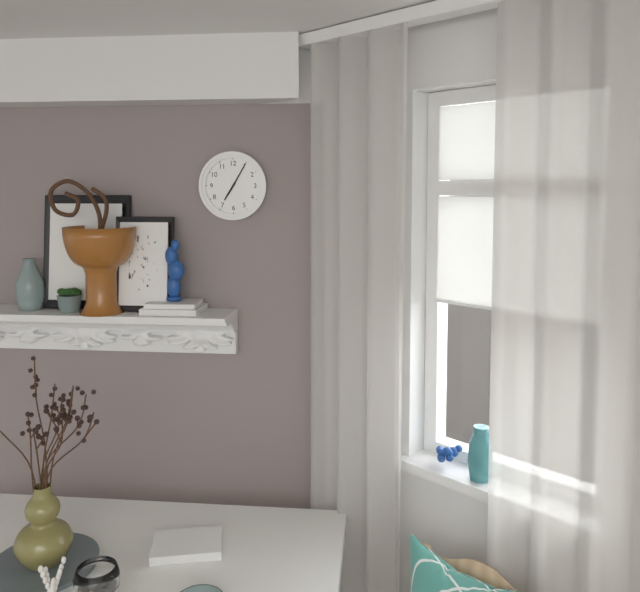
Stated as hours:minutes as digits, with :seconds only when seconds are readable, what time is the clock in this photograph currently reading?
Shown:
7:05
